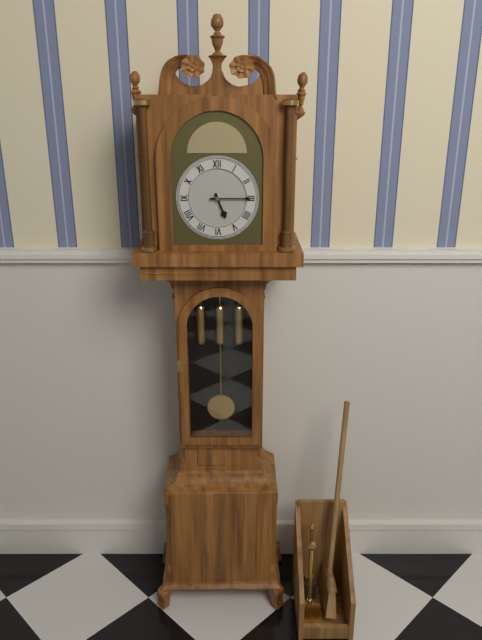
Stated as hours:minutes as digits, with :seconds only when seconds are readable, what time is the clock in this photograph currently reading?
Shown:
5:15
